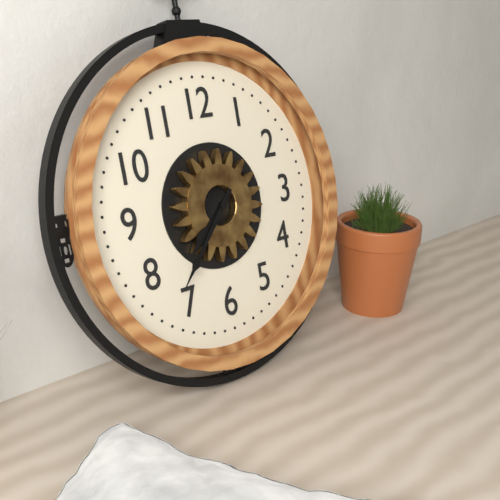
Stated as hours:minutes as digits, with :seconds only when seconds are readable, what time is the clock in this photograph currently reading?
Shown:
7:37
